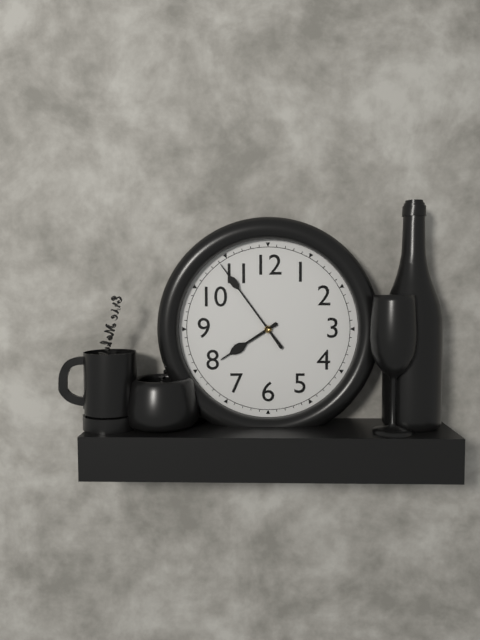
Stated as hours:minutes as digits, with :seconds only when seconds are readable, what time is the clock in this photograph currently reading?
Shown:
7:54
